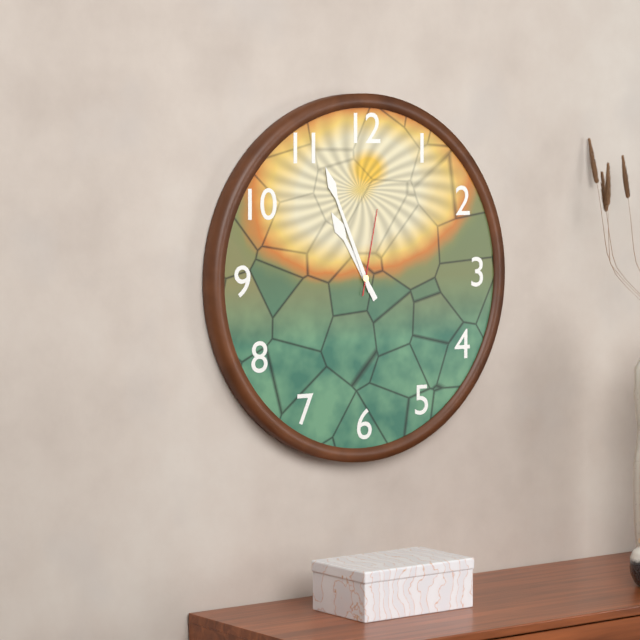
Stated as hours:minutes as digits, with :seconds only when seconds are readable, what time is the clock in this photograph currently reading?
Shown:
10:56:02
